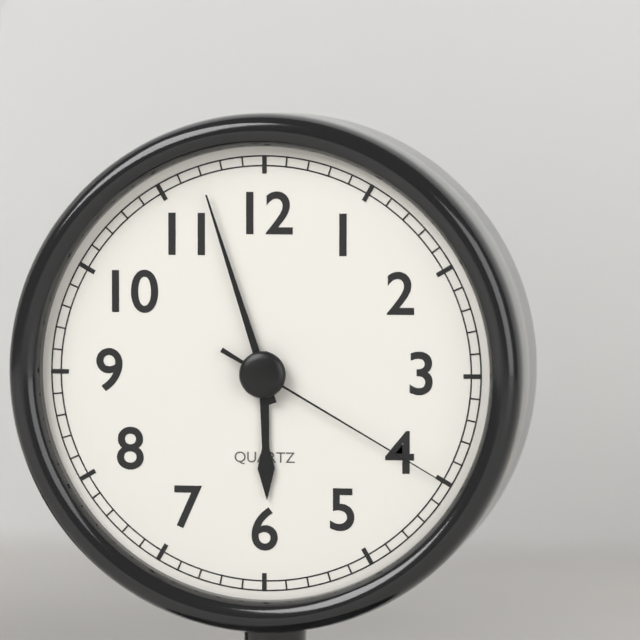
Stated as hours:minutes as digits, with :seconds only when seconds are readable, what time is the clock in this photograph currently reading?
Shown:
5:57:20
